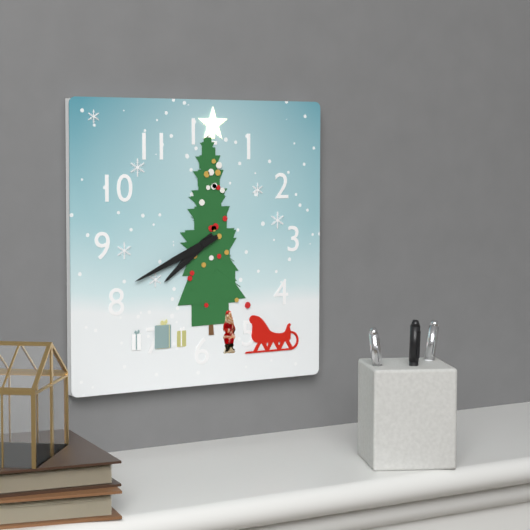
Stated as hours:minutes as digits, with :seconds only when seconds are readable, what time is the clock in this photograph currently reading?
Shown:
7:41
